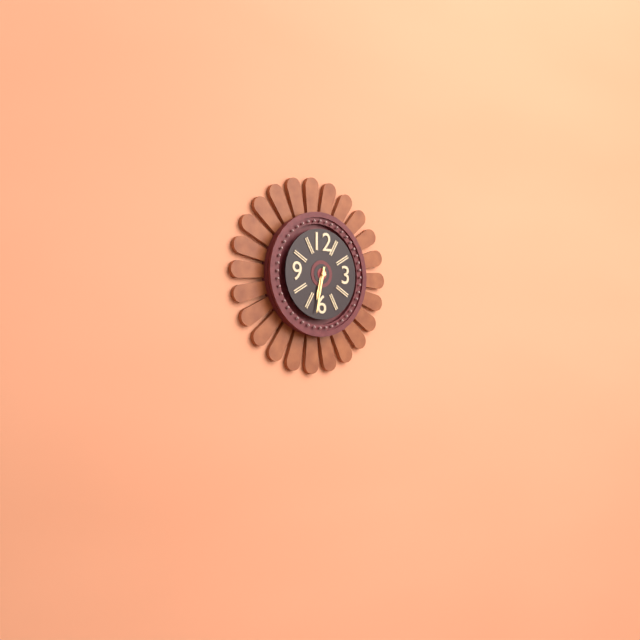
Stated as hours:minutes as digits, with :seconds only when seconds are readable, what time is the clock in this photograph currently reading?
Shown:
6:32
